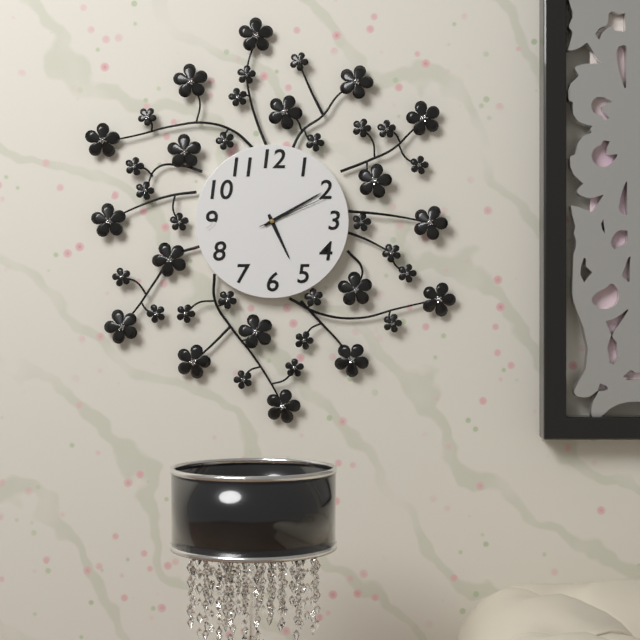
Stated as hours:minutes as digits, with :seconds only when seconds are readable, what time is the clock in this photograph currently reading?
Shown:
5:10:11
